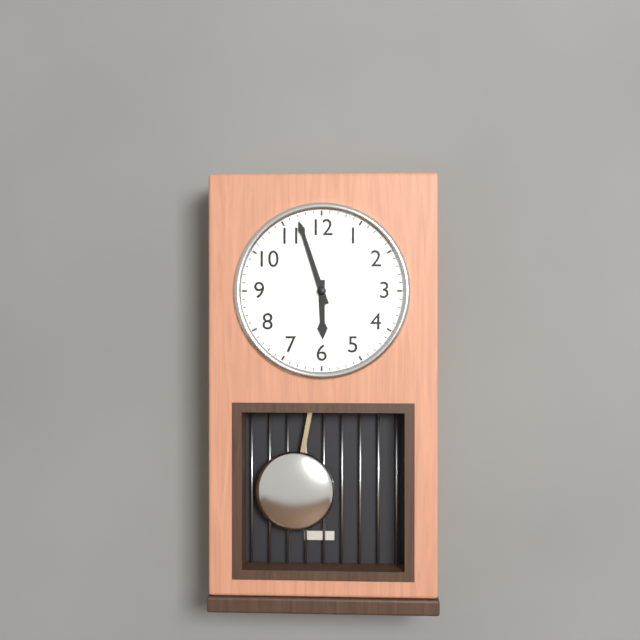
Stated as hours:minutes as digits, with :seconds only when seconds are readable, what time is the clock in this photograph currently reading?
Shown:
5:57
